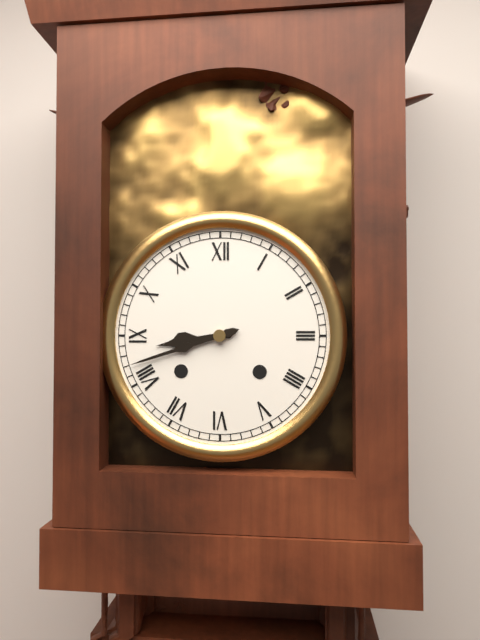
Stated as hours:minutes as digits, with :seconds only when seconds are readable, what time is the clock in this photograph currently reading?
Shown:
8:42
